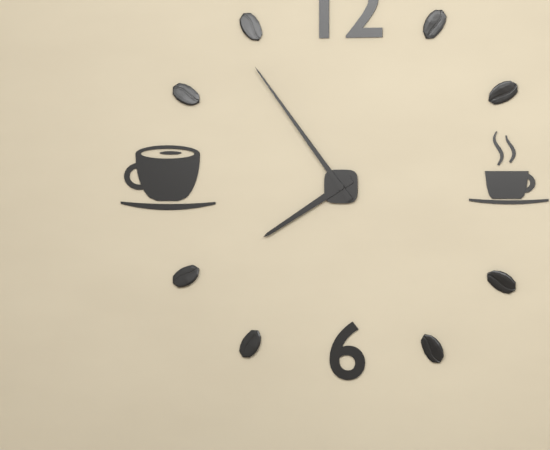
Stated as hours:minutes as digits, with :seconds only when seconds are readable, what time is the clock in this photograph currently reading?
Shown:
7:54
